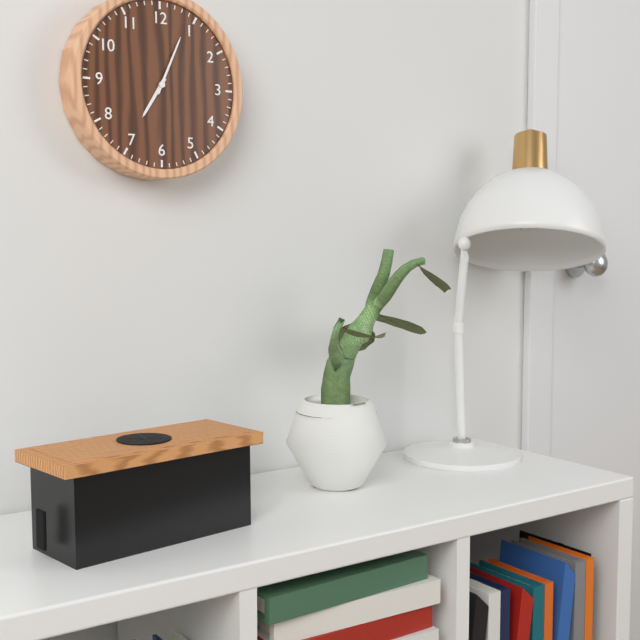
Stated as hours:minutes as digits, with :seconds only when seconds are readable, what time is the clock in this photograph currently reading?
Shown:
7:04
